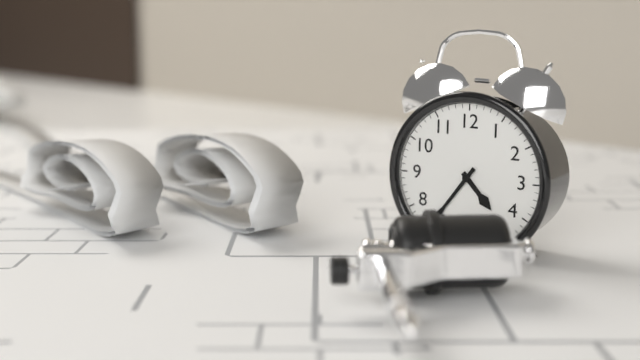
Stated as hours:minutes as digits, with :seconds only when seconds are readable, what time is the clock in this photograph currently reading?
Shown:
4:36
